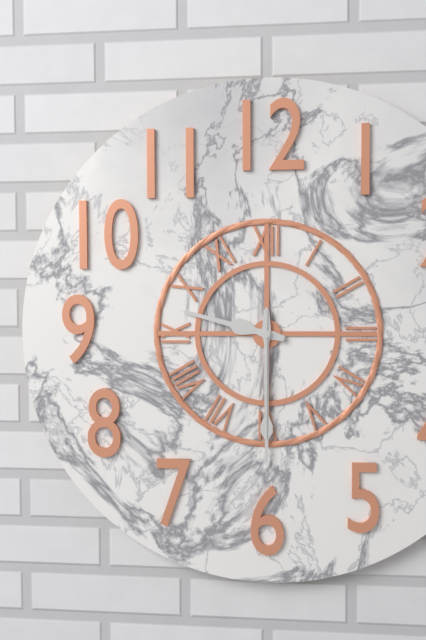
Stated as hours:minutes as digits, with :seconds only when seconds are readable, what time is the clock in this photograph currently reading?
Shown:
9:30:30
